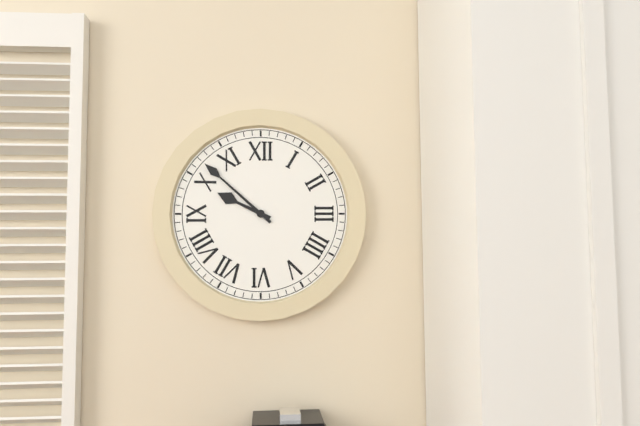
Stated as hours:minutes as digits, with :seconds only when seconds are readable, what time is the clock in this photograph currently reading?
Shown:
9:52
